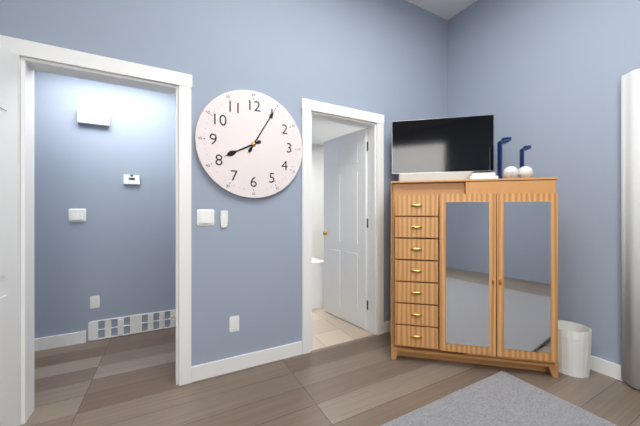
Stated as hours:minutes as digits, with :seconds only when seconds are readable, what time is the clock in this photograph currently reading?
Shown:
8:05
